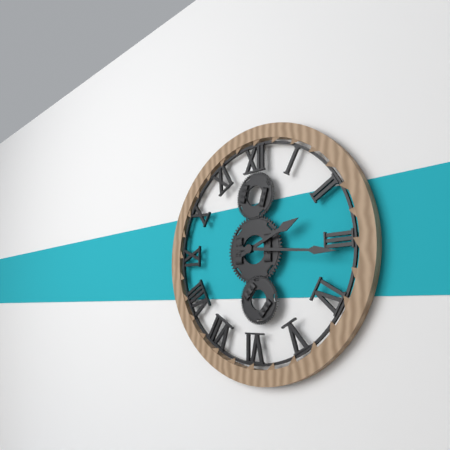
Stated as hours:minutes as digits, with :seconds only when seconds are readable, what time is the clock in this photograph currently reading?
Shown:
2:16
